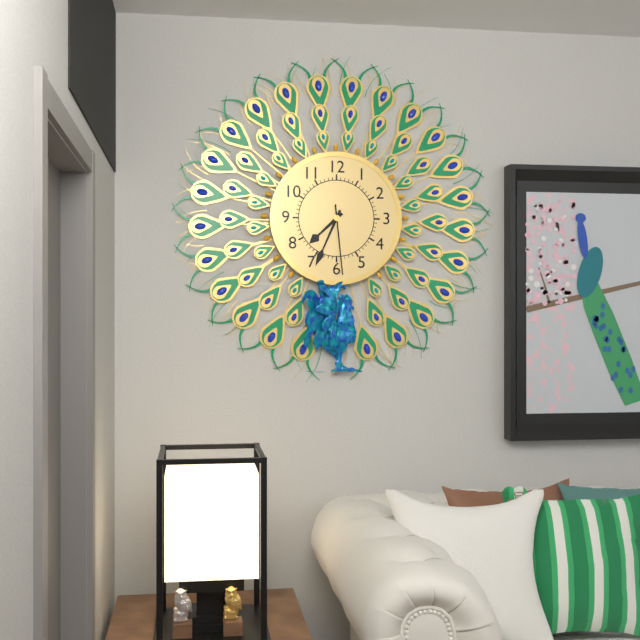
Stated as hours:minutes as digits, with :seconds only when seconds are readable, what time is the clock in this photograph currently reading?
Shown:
7:34:29
